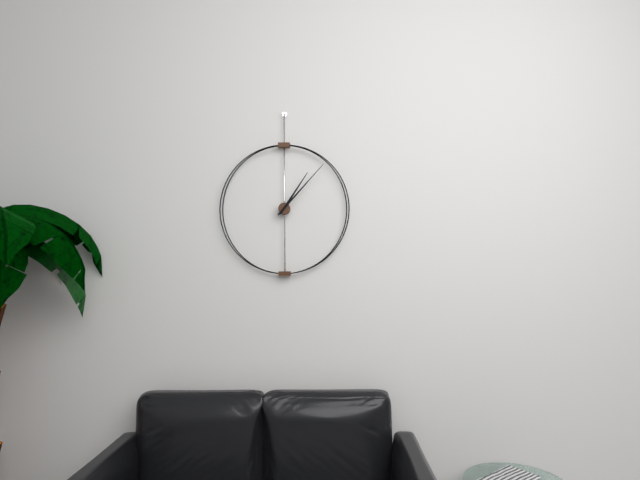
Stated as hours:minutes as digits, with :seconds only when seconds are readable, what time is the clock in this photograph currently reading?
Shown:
1:07
